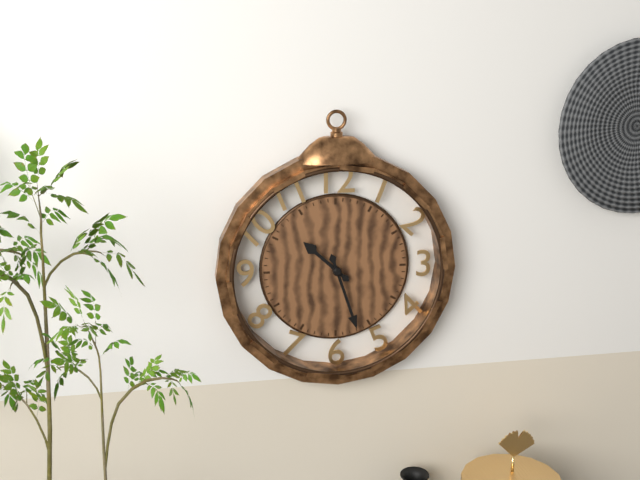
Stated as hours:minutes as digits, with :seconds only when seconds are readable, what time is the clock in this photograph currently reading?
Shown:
10:27
